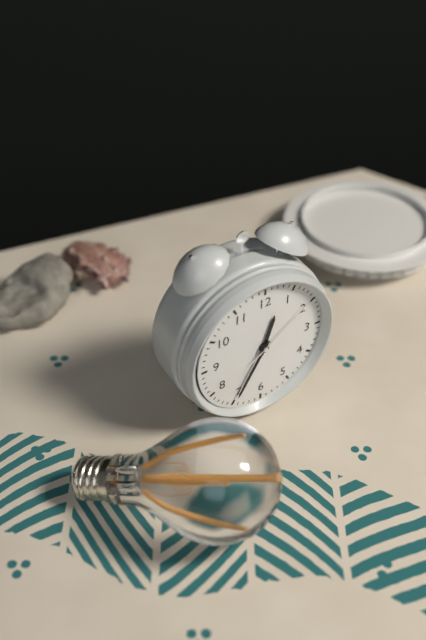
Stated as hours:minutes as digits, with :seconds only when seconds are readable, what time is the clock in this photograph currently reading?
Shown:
12:35:09
